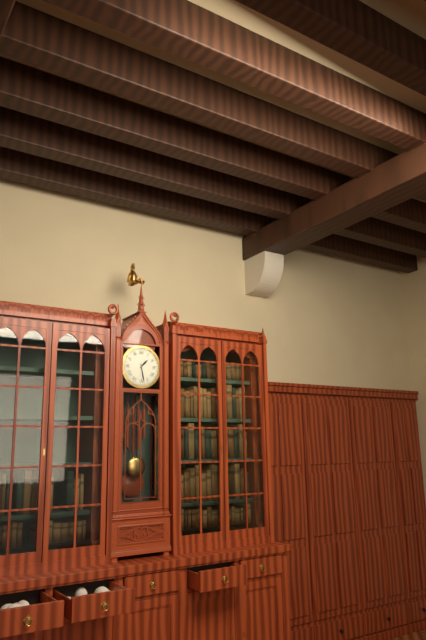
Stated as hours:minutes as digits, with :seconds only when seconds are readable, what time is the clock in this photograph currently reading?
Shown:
1:28
